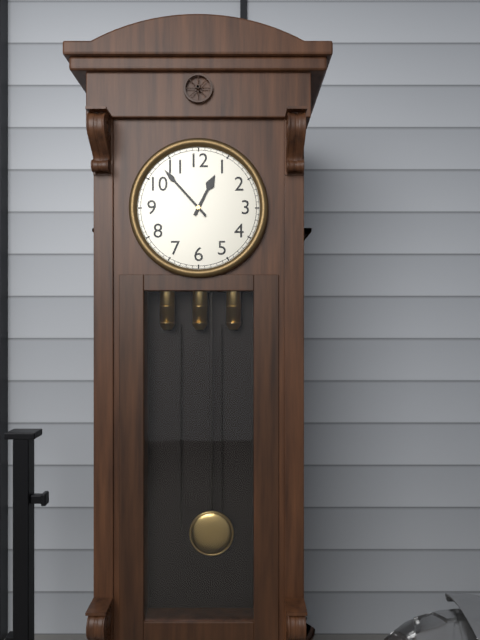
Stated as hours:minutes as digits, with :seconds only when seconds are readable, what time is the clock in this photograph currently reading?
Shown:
12:53
